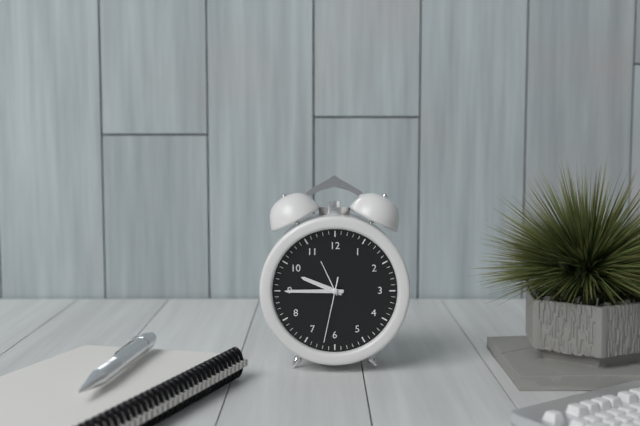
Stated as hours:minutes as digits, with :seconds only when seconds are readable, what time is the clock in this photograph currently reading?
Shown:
9:45:32
